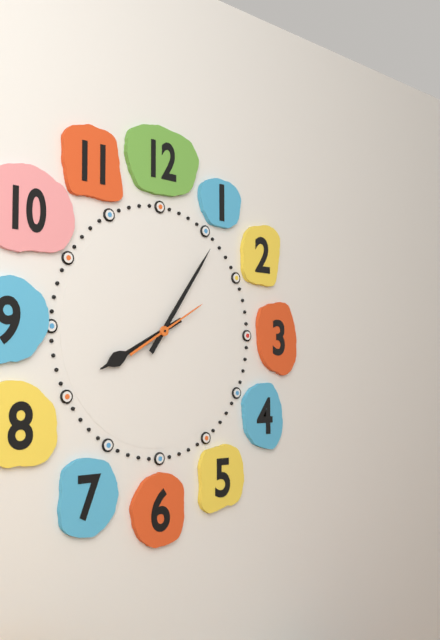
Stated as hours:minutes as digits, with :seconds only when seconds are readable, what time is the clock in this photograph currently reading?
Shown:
8:06:10
